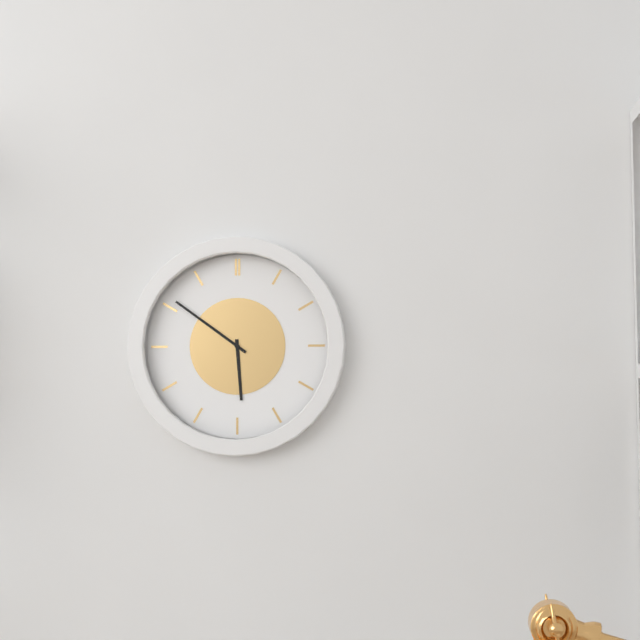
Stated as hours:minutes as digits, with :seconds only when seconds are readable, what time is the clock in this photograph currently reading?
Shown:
5:51
